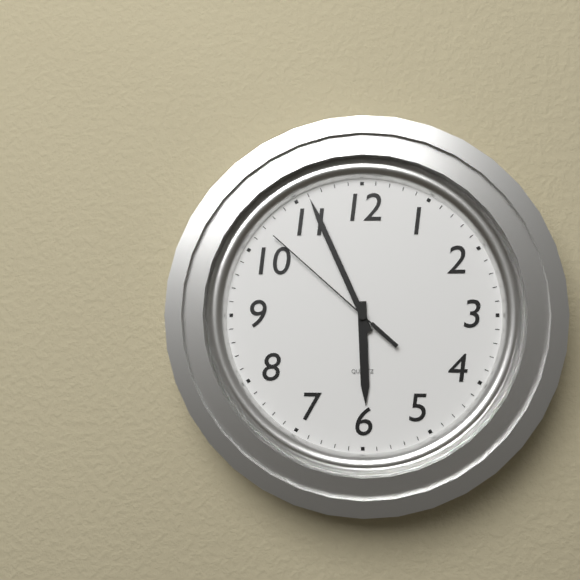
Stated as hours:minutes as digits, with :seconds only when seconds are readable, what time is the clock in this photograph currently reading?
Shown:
5:56:52
